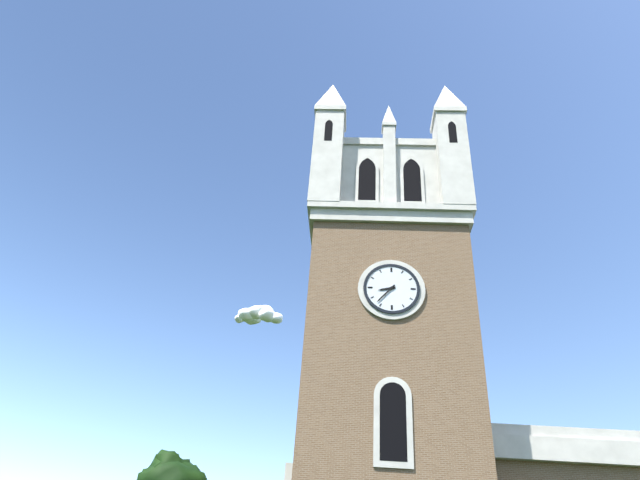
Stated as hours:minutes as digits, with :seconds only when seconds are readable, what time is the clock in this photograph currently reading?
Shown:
8:37
